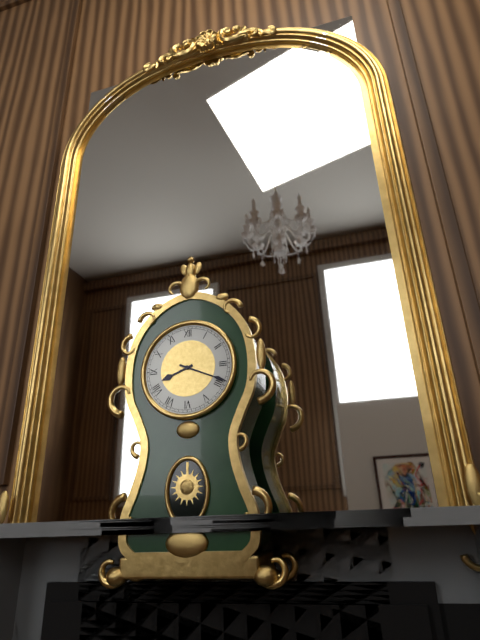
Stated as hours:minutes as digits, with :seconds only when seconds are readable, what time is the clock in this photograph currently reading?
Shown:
8:19
